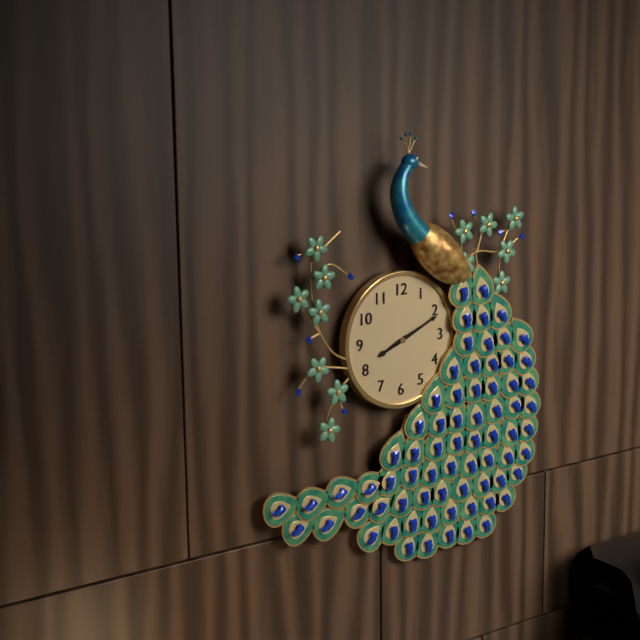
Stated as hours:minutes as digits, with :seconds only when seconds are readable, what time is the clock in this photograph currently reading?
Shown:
8:11
